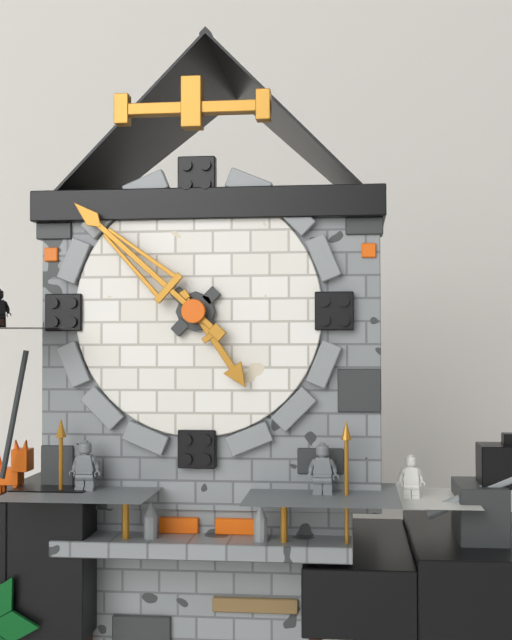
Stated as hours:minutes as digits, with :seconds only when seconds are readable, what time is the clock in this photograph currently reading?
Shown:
4:52
